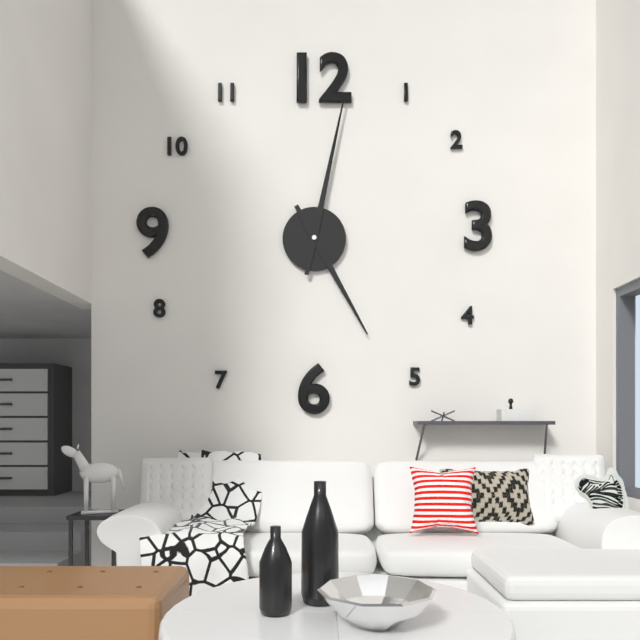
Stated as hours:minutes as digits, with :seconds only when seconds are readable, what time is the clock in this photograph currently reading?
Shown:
5:02
